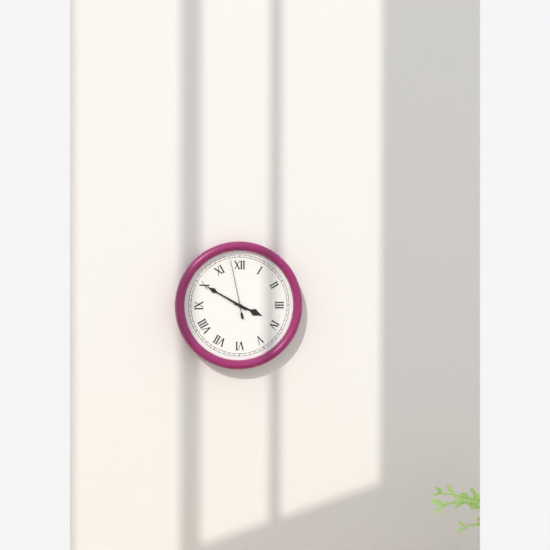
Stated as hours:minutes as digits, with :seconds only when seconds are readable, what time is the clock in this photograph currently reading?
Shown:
3:50:58
